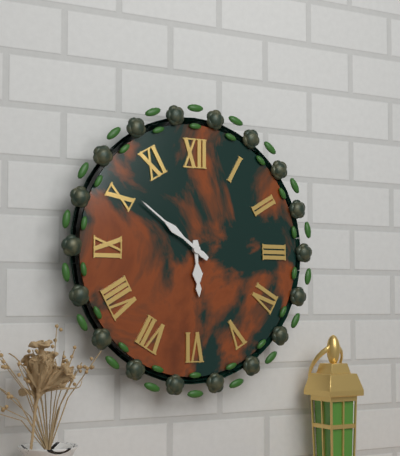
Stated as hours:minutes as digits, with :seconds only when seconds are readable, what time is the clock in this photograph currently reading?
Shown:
5:51
